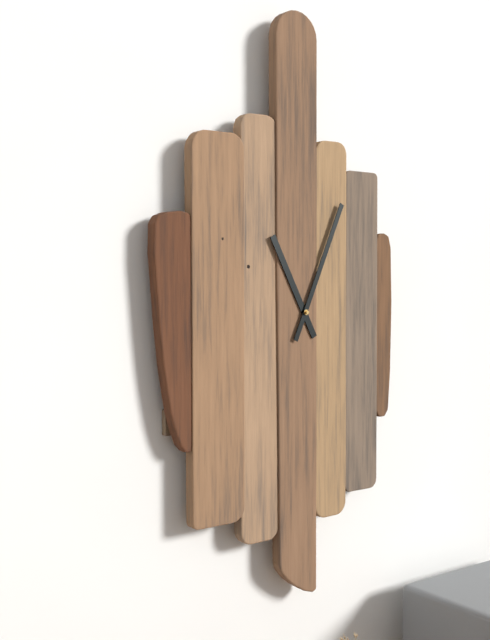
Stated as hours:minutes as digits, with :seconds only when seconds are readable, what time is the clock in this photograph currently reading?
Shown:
11:04
